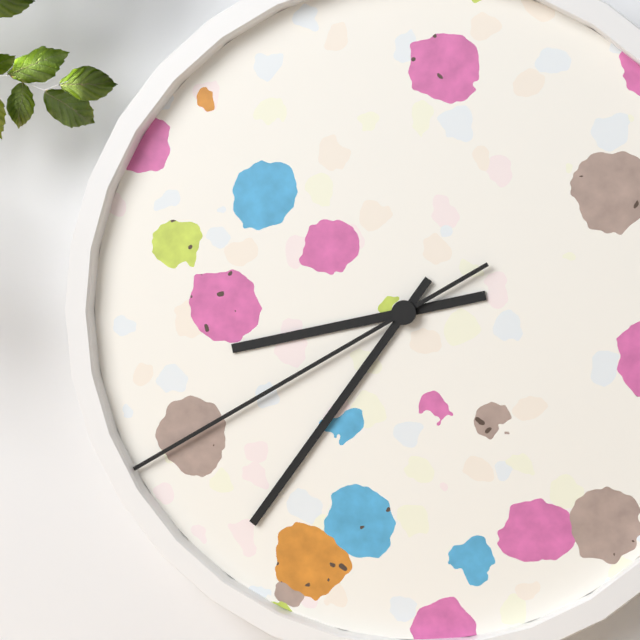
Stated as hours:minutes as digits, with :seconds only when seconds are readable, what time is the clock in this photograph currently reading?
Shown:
8:36:40
